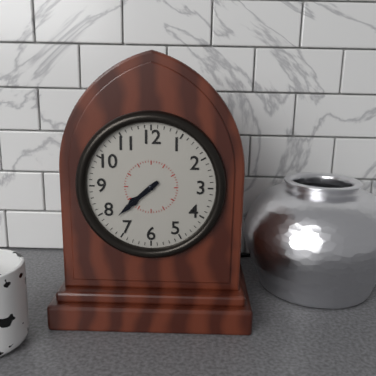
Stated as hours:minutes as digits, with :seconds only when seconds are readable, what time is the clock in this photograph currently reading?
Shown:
7:38
